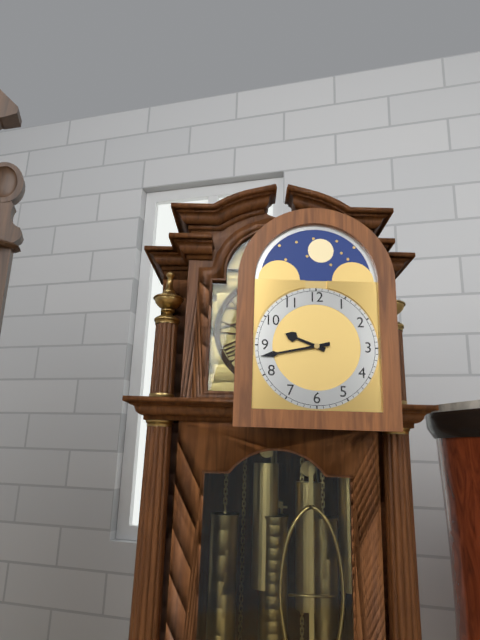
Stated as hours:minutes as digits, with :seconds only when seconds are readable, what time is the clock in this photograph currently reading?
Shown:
9:43
